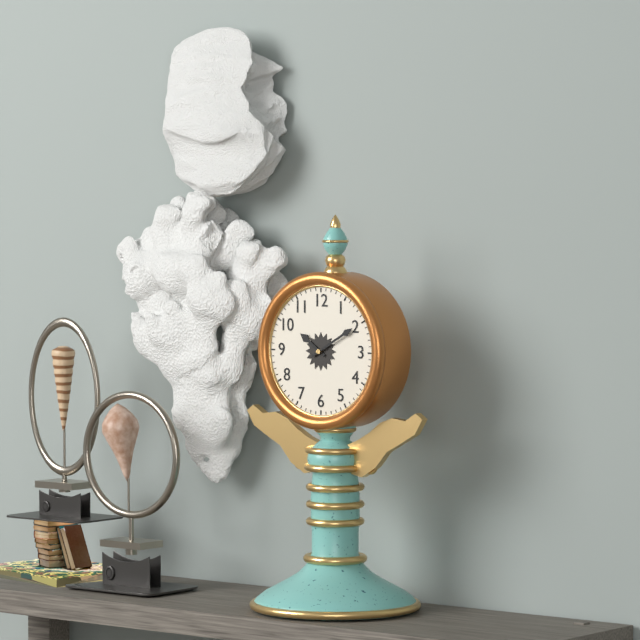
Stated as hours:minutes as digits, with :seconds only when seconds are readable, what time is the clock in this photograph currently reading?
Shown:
10:10
